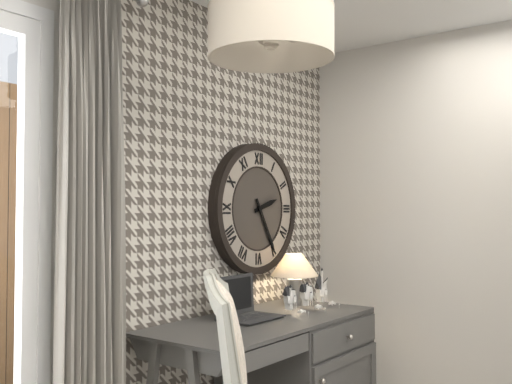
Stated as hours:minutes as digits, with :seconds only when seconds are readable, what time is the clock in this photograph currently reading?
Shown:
2:25
